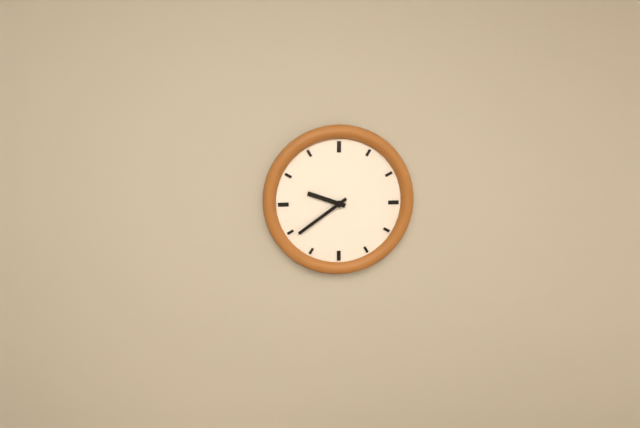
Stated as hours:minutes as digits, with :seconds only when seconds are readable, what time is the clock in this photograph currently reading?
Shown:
9:39
